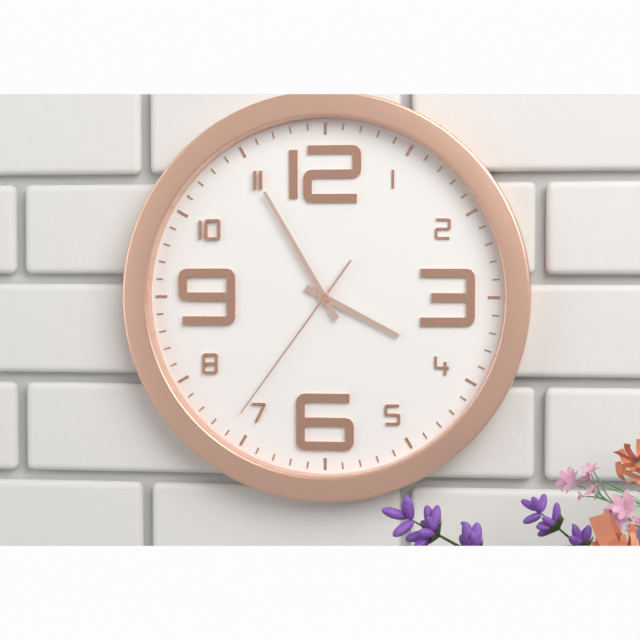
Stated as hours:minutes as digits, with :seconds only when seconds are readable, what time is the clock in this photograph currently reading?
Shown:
3:55:36
